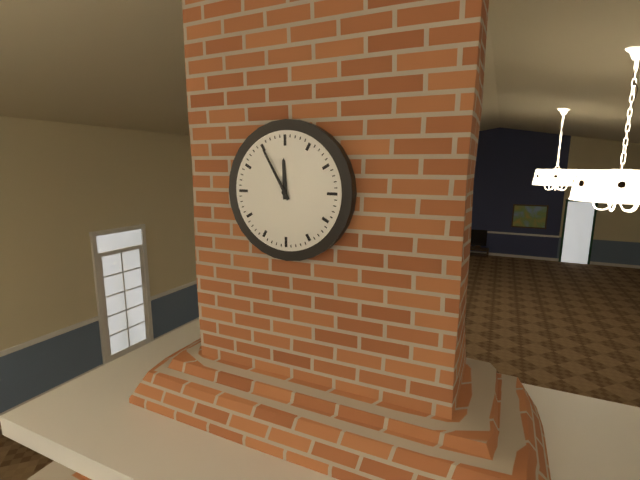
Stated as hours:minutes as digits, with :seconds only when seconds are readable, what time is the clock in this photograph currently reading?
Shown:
11:55
